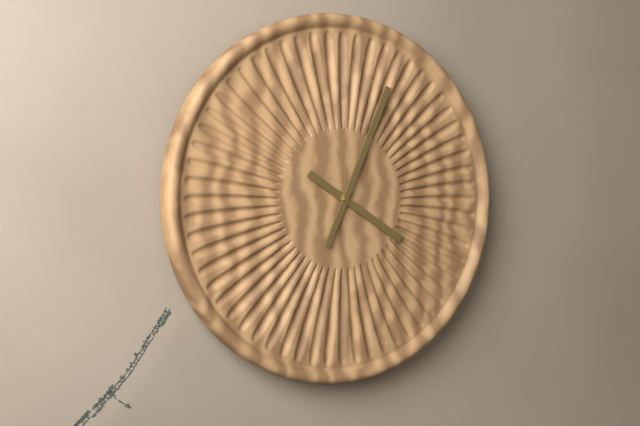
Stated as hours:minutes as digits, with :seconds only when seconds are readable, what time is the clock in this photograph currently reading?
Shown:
4:04
